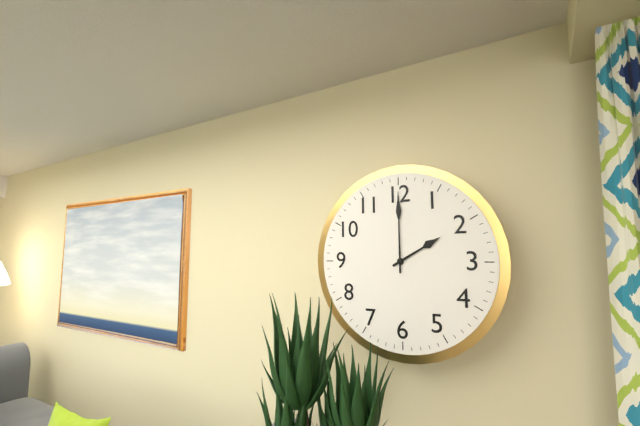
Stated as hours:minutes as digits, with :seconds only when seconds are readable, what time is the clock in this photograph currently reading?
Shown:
2:00
